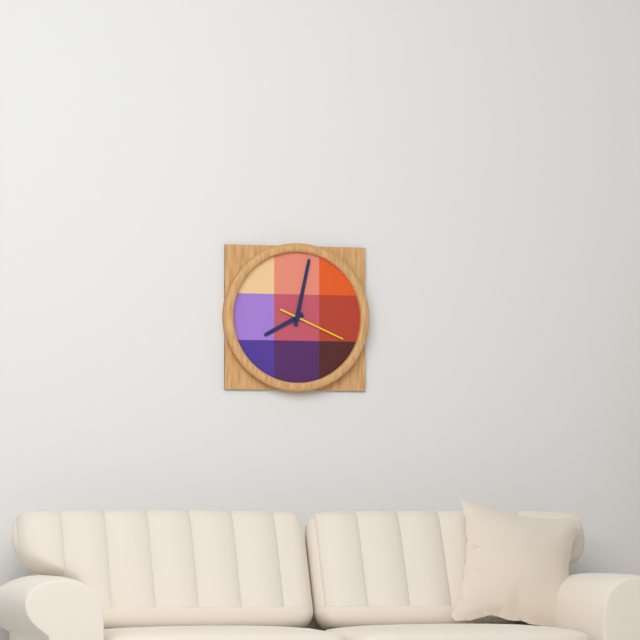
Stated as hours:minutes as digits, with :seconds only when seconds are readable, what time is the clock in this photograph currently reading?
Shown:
8:02:19
